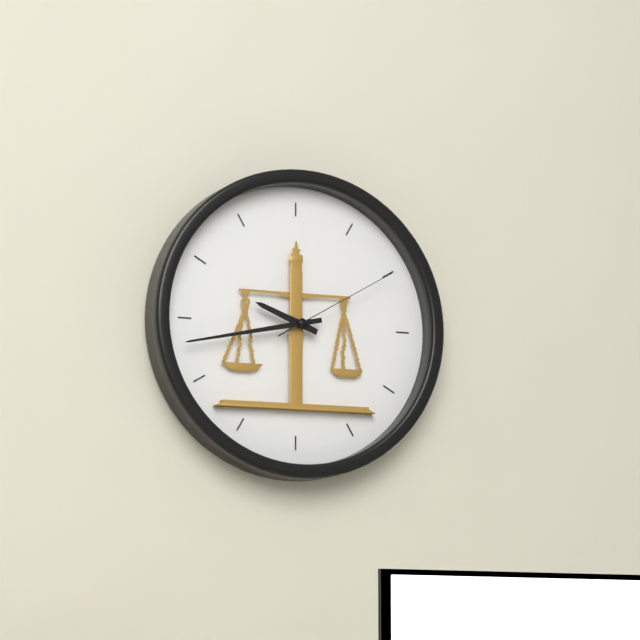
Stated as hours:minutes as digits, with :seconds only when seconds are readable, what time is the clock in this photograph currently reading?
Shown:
9:43:10
